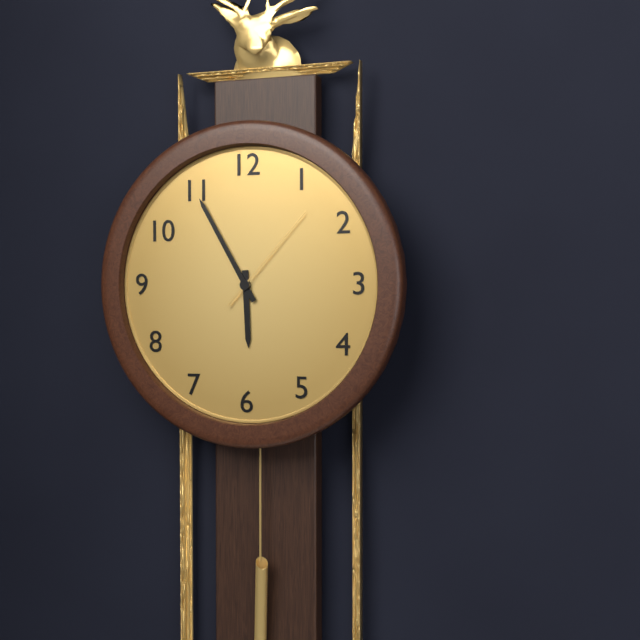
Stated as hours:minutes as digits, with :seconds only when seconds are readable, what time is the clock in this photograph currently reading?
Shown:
5:55:07
